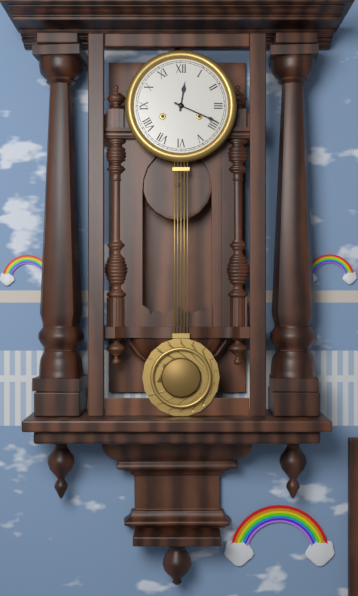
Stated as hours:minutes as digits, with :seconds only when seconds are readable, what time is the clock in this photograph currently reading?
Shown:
12:19
